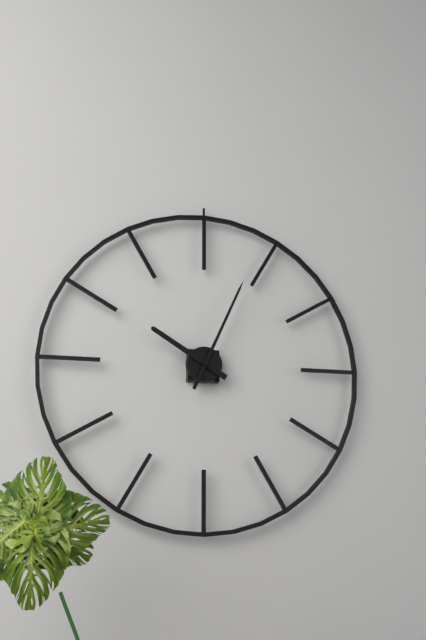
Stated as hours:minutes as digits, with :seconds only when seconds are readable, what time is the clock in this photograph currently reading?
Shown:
10:04
